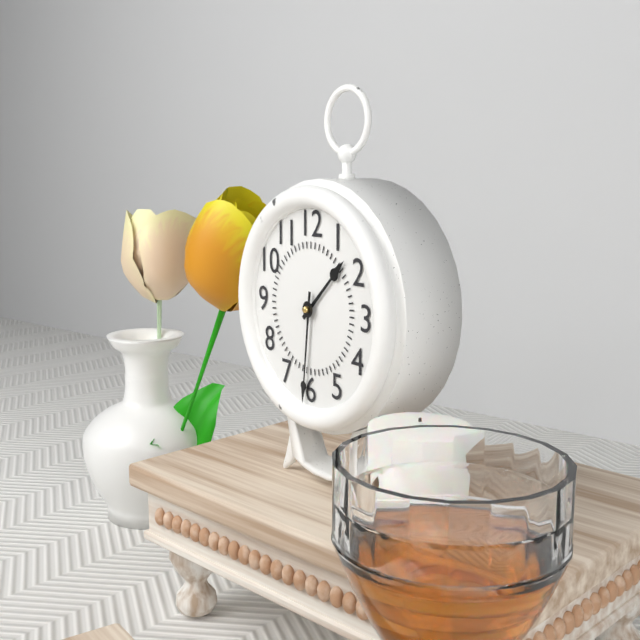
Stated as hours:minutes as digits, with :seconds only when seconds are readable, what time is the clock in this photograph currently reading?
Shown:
1:31
